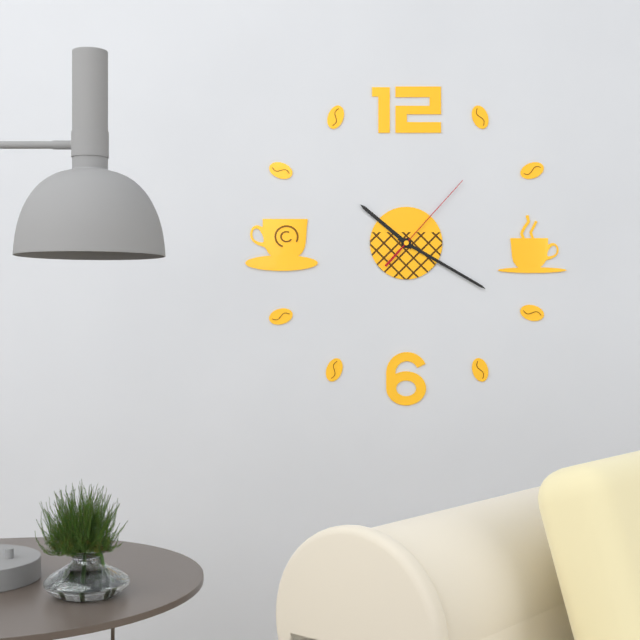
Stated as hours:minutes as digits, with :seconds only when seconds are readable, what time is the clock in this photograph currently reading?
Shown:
10:20:07
